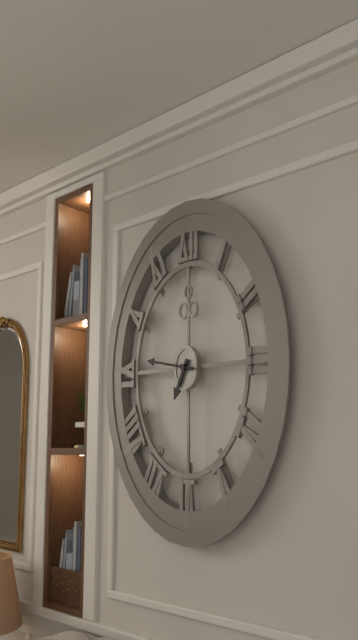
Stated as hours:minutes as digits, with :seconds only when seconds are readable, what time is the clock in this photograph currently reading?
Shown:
6:47
